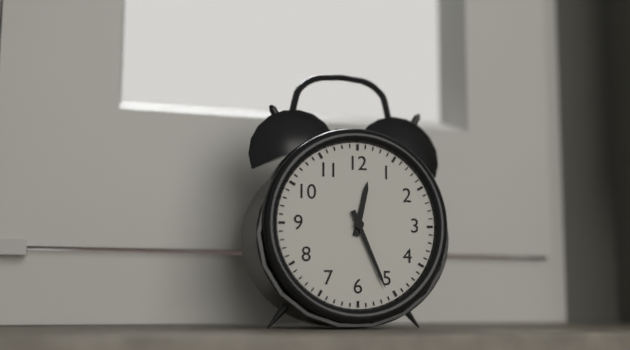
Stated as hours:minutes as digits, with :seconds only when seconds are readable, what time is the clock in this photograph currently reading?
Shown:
12:26
